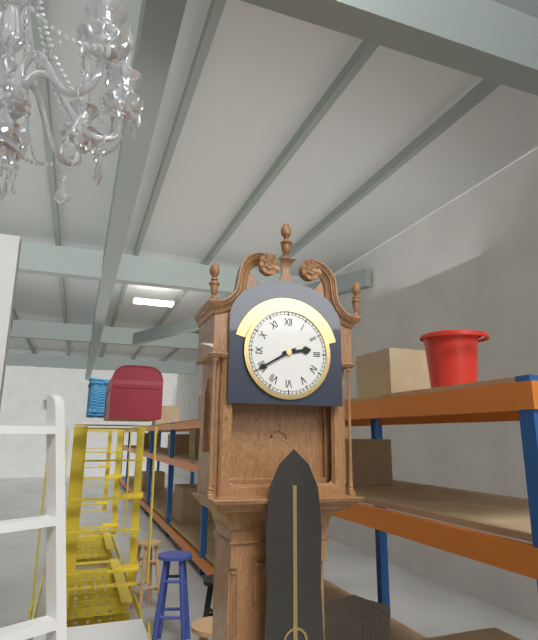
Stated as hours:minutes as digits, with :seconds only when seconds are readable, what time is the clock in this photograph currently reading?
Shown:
2:40
